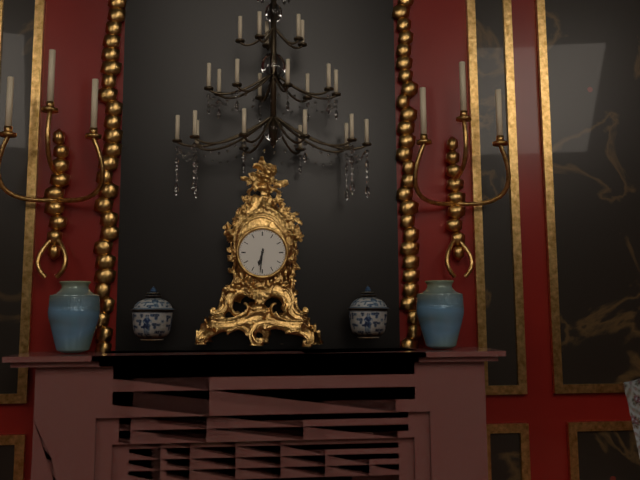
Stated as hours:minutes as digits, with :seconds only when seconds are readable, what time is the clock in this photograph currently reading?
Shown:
6:31
